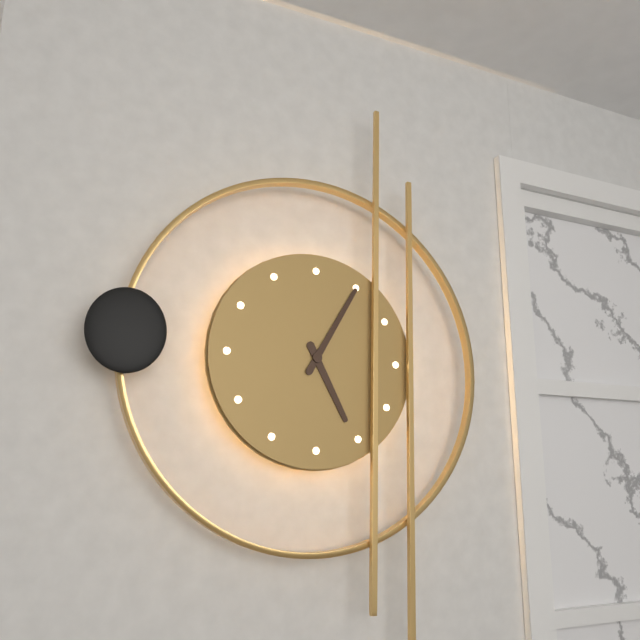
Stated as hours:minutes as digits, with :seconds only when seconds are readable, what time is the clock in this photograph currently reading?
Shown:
5:05
